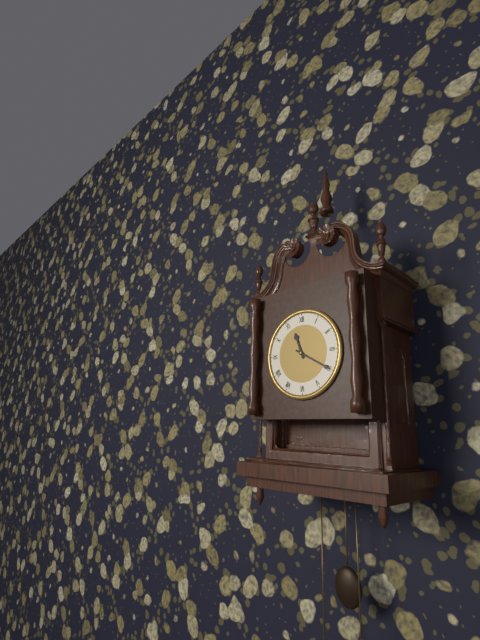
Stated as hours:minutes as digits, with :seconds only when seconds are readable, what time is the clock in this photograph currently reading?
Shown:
11:20
